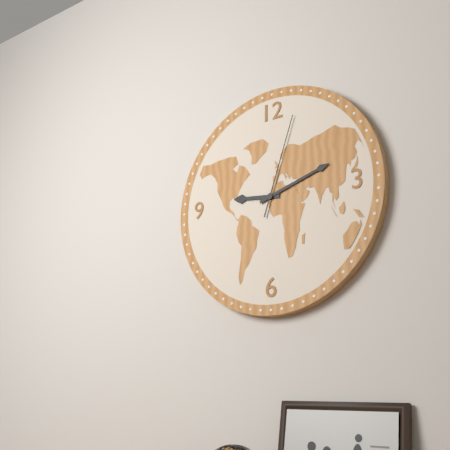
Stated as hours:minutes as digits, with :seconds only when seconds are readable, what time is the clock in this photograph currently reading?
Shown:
9:12:03
